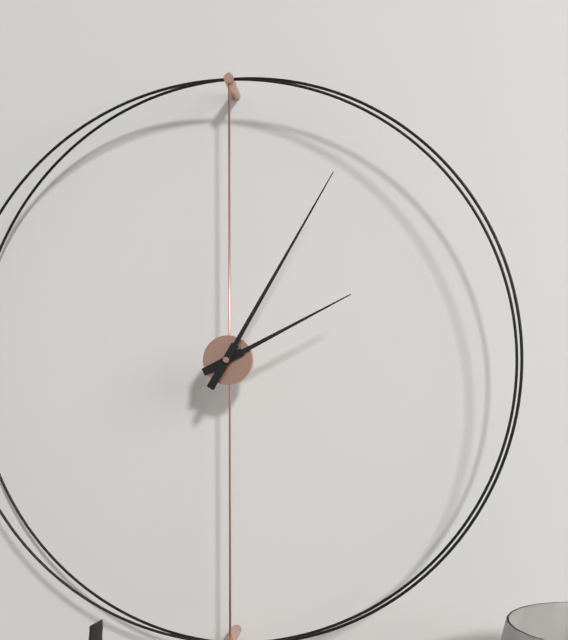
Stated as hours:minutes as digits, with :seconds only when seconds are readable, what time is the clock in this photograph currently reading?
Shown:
2:05
